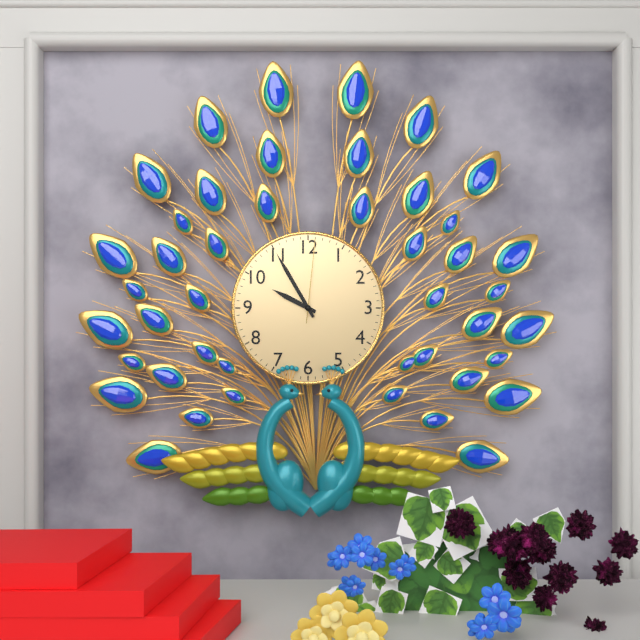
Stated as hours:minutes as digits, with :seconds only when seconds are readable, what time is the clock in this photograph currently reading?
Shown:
9:55:01
